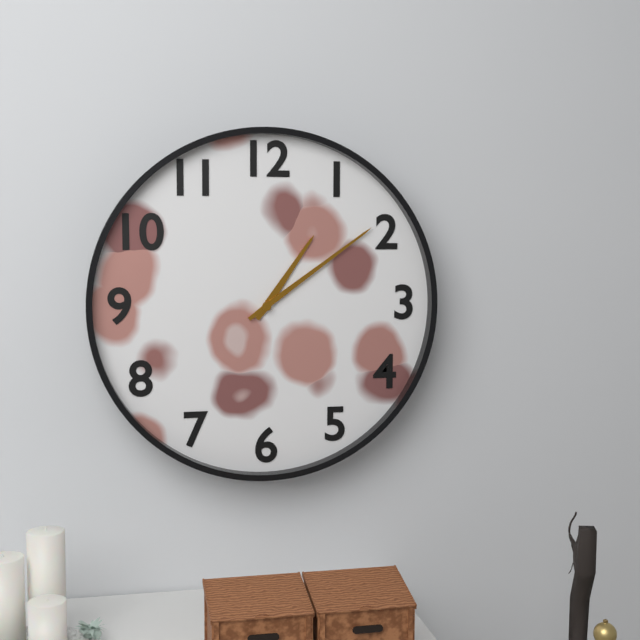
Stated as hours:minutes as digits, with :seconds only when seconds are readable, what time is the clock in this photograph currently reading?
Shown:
1:09
